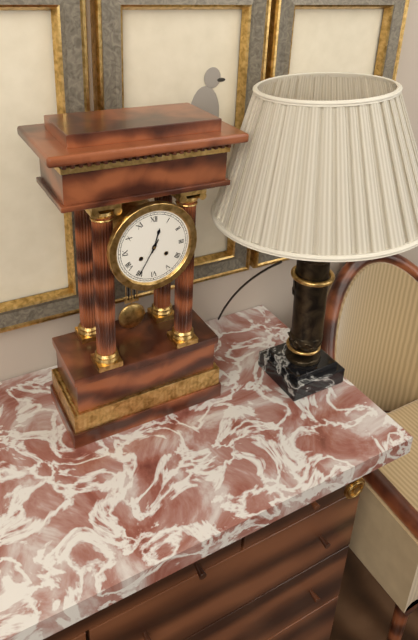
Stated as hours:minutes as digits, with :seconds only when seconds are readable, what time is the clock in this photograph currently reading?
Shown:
12:35
